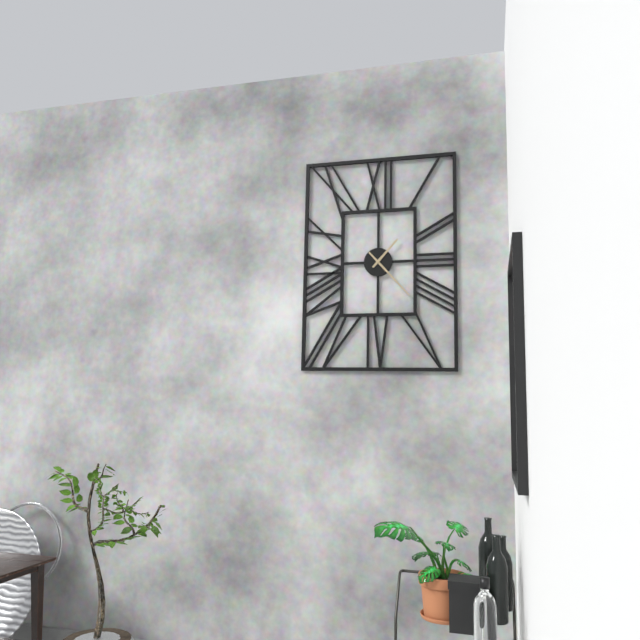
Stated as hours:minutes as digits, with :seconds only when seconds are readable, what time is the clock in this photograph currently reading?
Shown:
1:23
